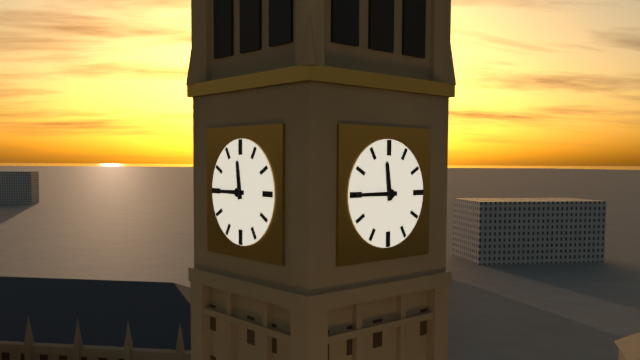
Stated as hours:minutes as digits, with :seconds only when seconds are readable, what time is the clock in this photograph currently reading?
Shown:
11:45
